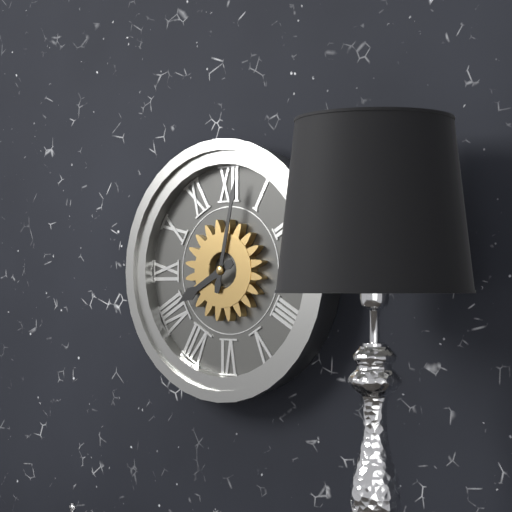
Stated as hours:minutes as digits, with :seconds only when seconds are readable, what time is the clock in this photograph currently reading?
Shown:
8:02
